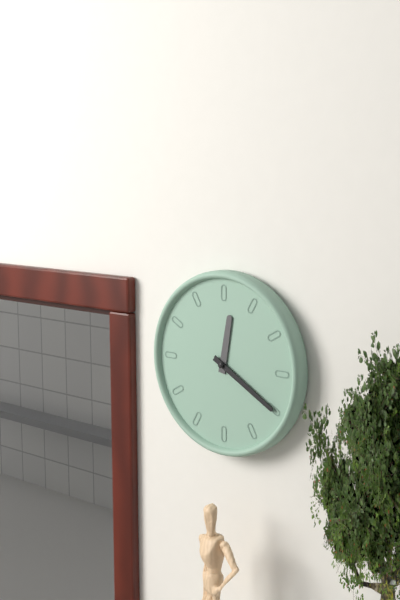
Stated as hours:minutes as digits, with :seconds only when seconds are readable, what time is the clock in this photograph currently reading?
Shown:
12:20
